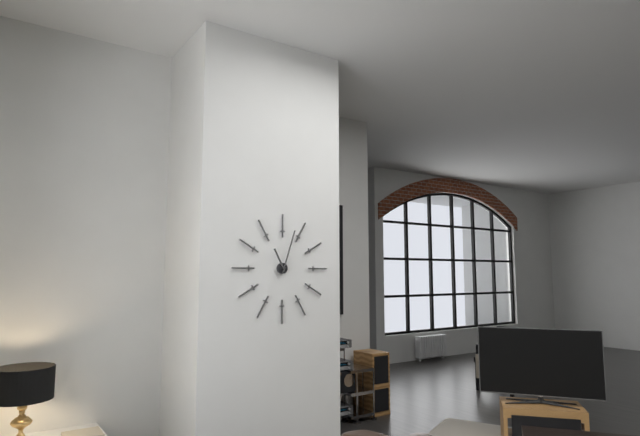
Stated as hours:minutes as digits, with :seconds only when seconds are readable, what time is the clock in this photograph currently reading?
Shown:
11:03
